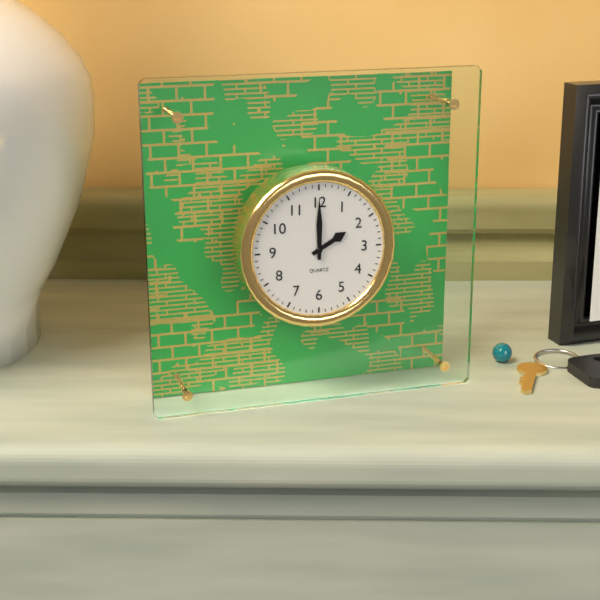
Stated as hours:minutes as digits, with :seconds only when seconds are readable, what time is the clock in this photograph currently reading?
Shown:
2:00
